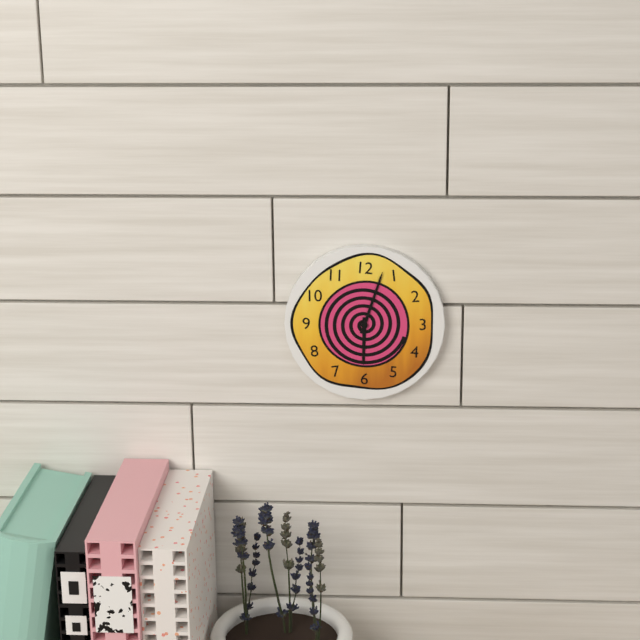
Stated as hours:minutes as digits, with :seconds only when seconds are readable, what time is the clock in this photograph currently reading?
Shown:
6:03
